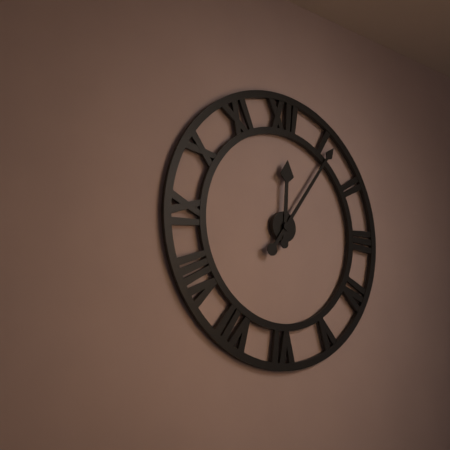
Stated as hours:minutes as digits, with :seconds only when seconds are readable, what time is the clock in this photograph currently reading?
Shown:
12:06
